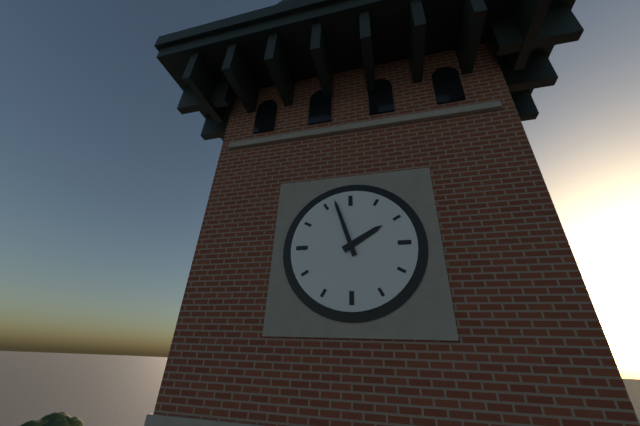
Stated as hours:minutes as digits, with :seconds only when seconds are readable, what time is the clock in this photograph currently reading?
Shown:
1:57
